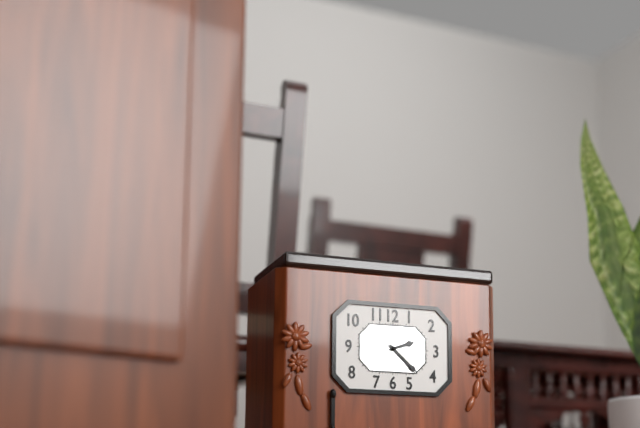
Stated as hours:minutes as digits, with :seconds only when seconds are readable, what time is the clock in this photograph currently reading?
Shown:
2:22
